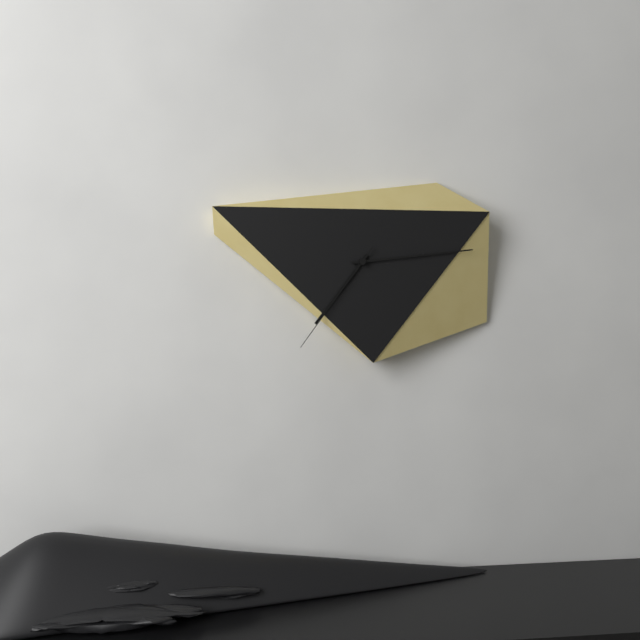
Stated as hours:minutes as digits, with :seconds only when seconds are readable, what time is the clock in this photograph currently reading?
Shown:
7:14:36
